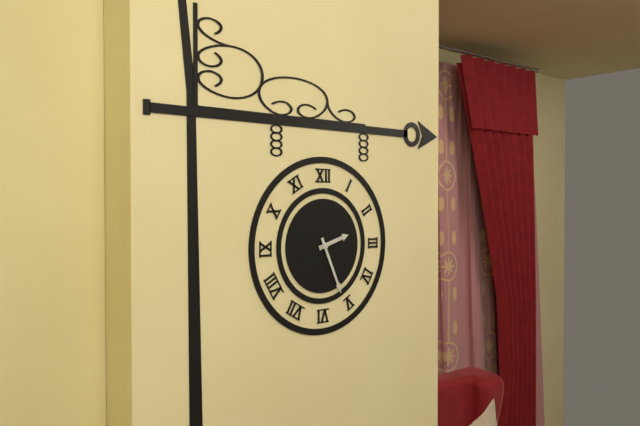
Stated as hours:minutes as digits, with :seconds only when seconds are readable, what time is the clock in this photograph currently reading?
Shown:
2:26
